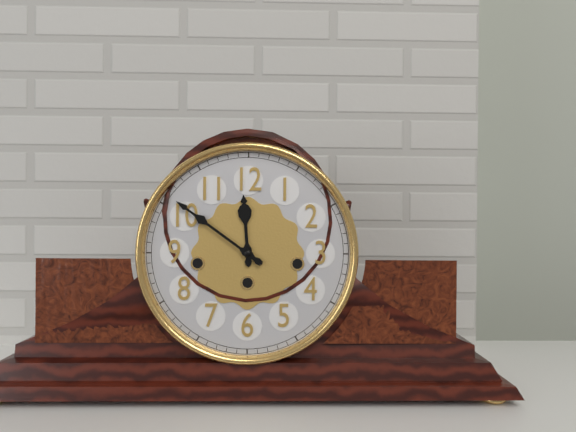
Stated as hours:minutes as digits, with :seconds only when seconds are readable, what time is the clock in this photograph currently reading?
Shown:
11:51
